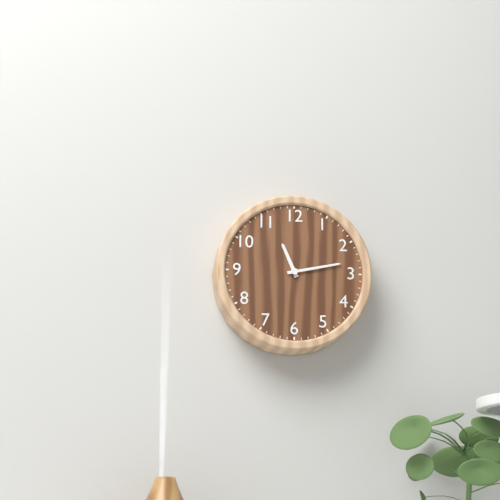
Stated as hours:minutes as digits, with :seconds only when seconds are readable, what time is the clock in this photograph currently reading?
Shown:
11:13
